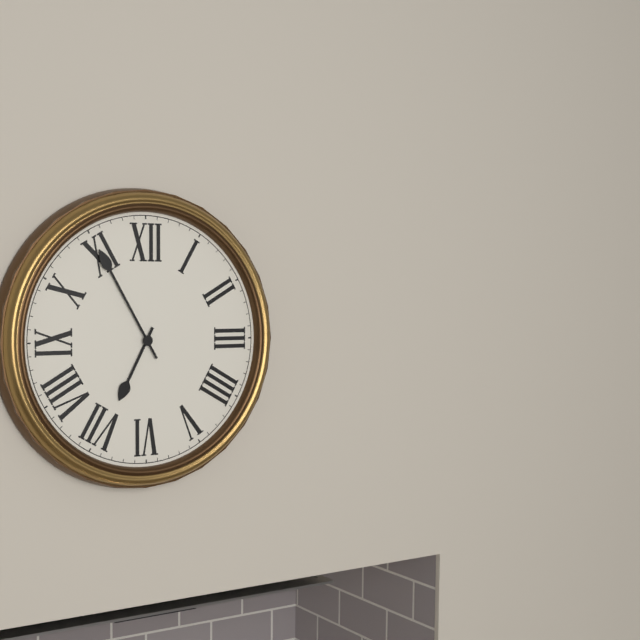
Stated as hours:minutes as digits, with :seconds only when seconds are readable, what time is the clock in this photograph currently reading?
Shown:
6:55
